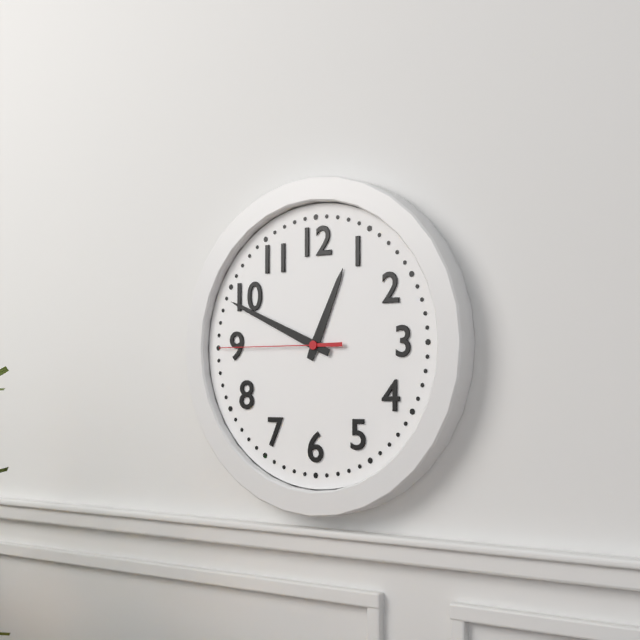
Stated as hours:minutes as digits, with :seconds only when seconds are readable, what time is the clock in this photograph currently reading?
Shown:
12:49:45
